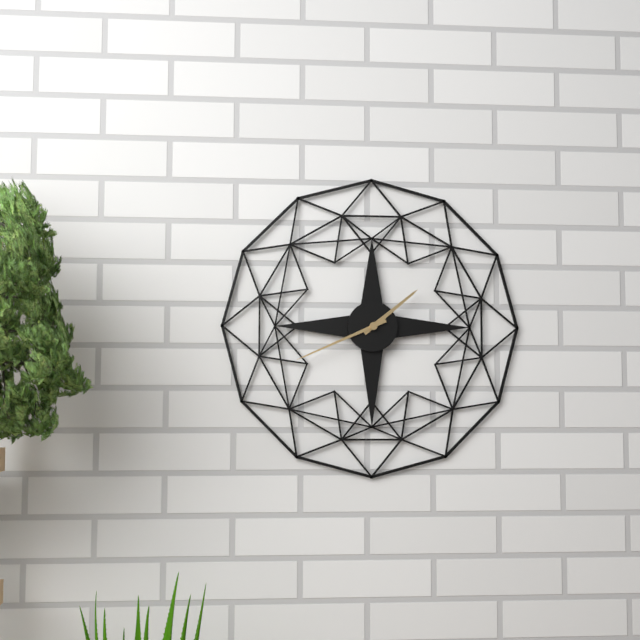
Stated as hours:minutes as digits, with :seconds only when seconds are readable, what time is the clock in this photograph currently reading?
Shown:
1:41
